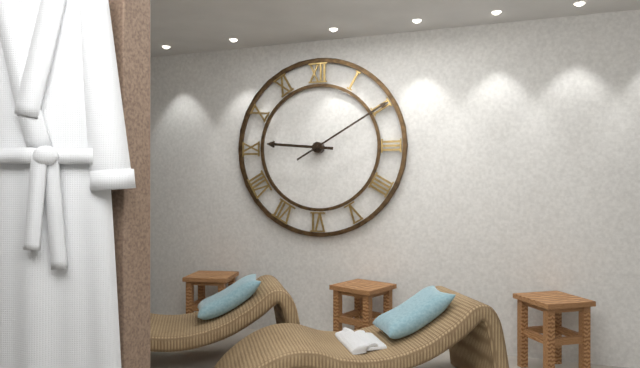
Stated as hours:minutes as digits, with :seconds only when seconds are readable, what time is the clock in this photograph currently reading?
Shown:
9:10
